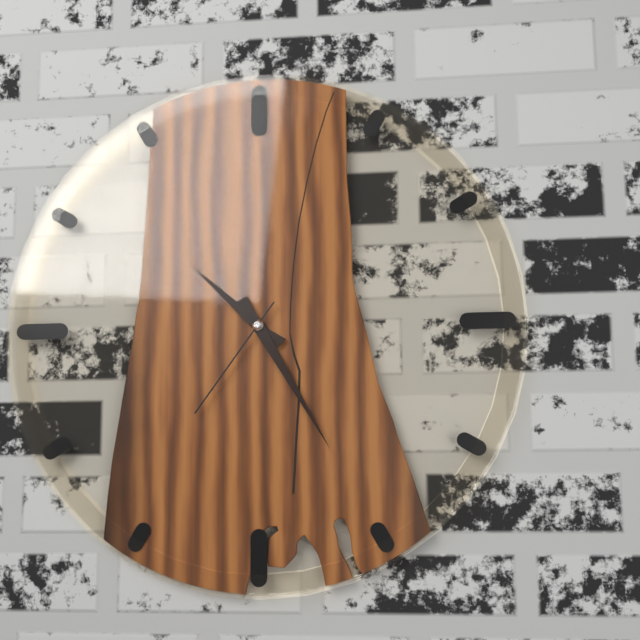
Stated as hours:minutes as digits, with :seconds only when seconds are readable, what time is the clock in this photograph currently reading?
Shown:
10:25:36
